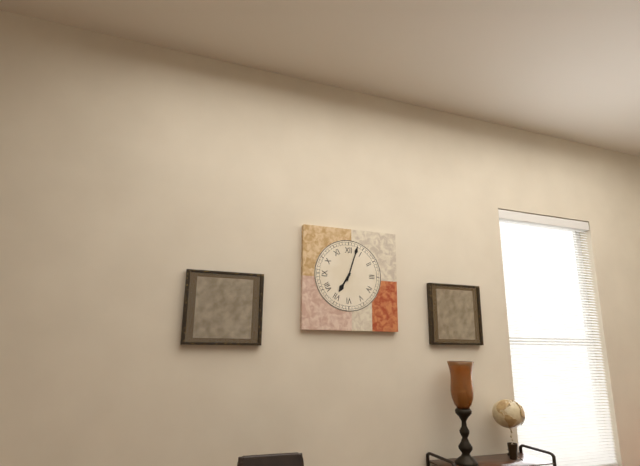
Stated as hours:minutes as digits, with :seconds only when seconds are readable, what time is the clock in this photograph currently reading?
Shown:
7:03
